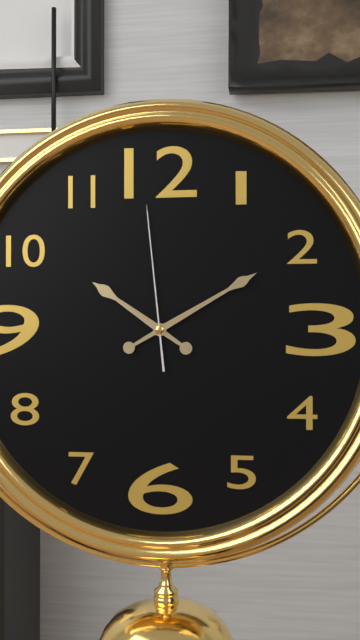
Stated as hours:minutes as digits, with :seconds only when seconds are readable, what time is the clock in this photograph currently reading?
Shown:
10:10:59
